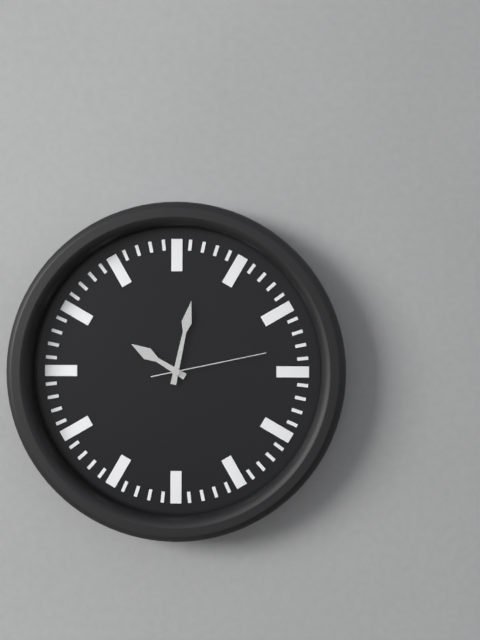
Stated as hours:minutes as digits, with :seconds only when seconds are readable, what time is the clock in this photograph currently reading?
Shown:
10:02:13
